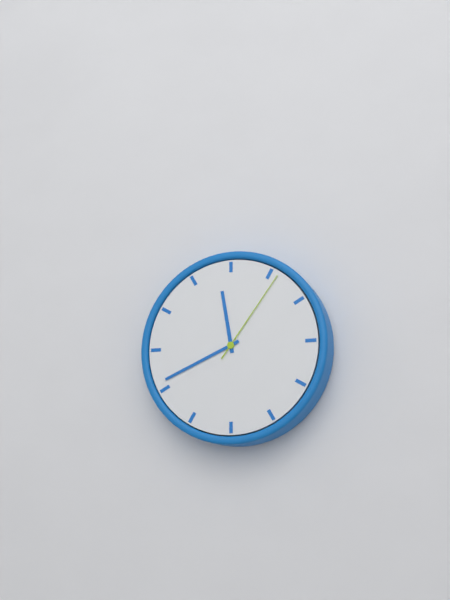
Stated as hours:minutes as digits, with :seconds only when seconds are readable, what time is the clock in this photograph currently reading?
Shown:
11:41:06
